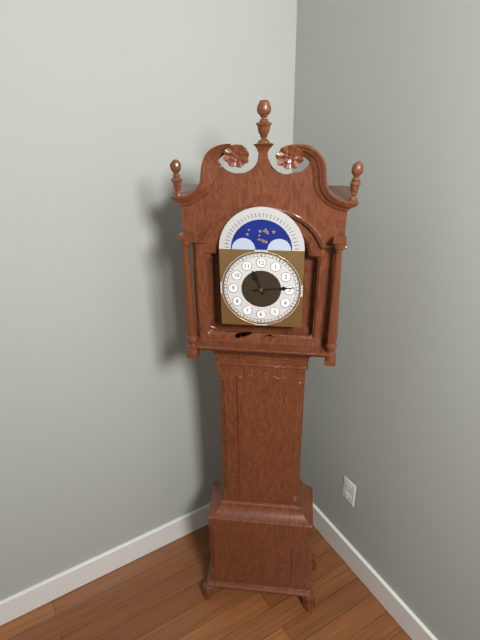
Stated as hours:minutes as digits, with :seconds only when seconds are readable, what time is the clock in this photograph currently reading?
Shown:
11:14
